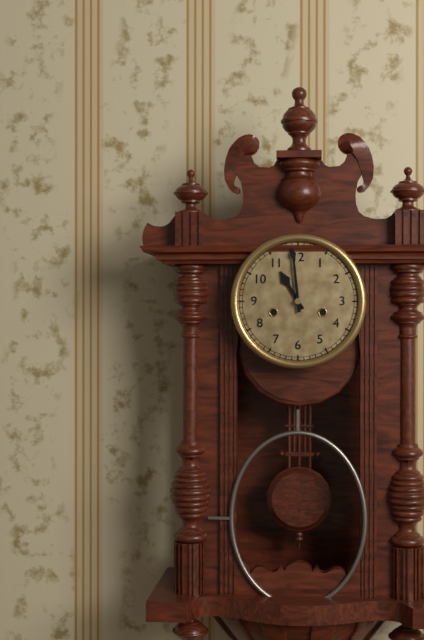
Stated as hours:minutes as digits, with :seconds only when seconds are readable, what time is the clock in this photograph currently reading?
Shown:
10:59
